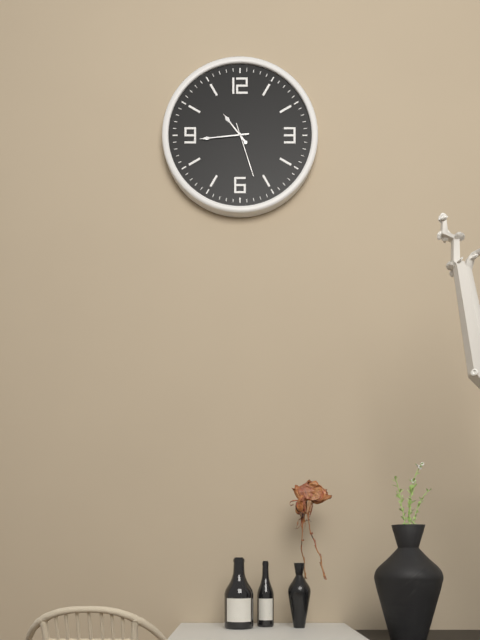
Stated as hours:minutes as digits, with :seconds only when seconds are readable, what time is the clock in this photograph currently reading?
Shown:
10:44:27
